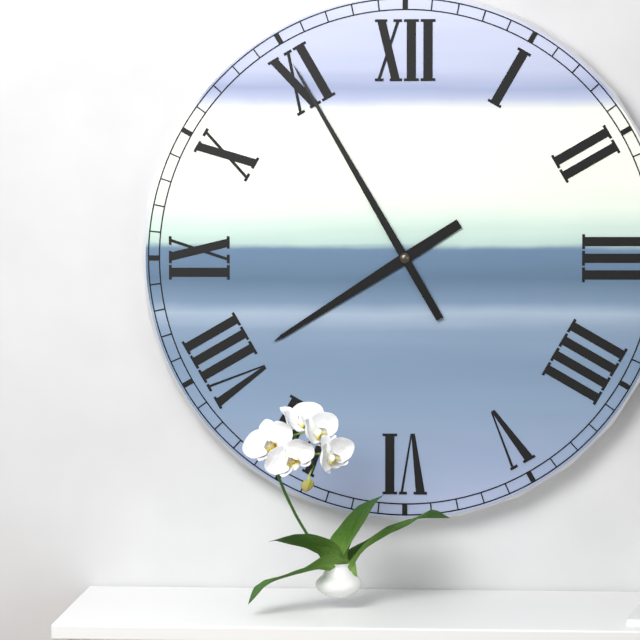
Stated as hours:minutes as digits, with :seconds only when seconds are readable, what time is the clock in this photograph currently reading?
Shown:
7:55
